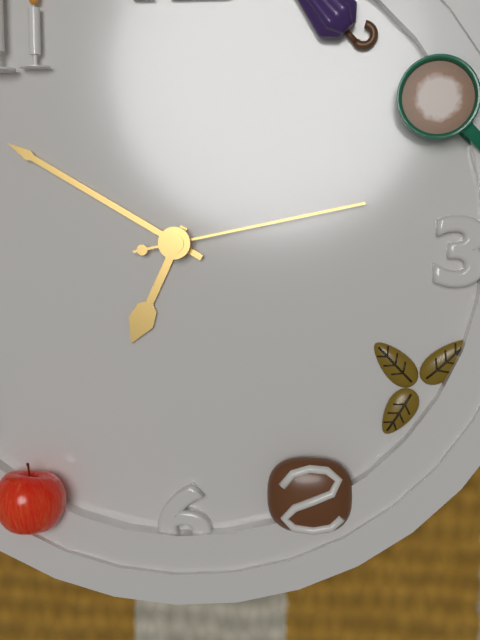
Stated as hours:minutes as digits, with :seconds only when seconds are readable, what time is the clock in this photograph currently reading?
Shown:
6:50:13
